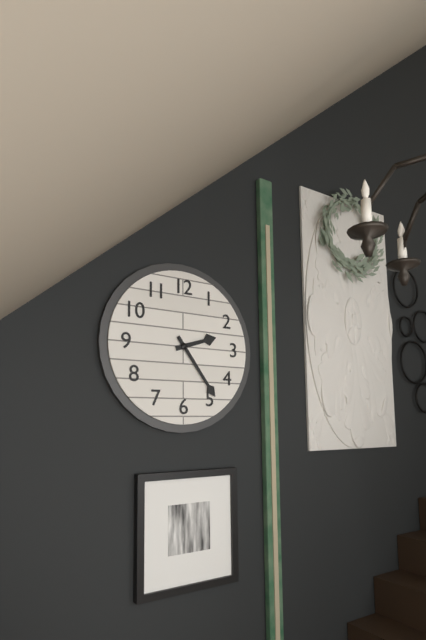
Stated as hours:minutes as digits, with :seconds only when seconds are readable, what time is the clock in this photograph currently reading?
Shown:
2:24
